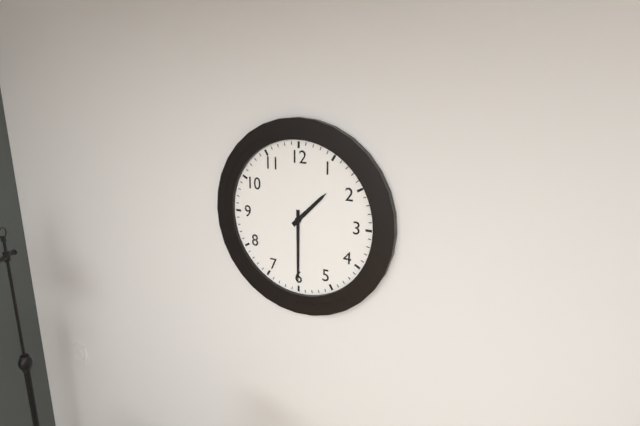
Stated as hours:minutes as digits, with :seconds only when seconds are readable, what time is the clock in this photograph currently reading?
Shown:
1:30
